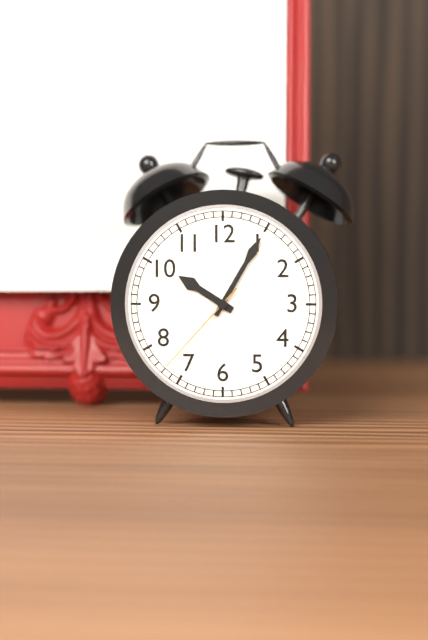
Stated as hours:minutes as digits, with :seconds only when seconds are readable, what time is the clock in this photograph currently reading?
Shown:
10:05:37
